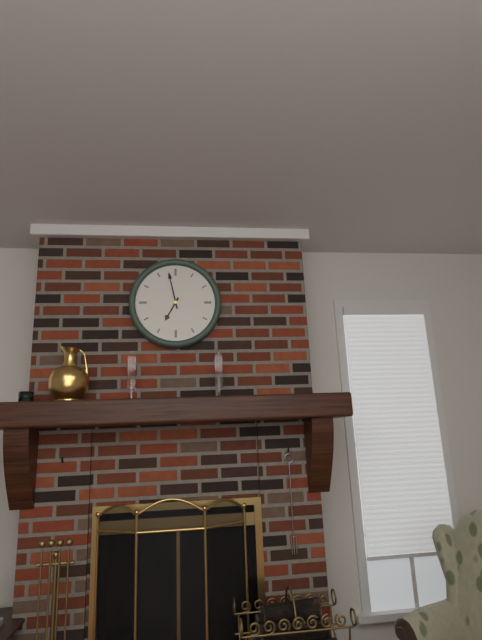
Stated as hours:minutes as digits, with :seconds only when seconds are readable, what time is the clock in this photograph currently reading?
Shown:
6:58
